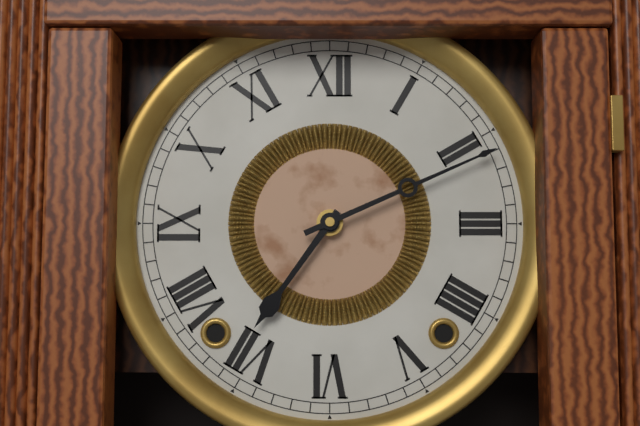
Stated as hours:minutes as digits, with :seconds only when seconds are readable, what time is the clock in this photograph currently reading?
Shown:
7:11
